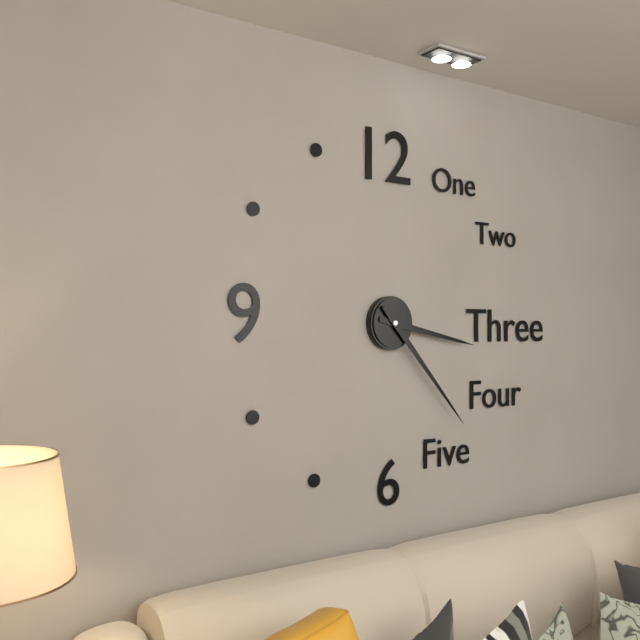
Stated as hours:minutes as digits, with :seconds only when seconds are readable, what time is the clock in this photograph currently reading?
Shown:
3:23
